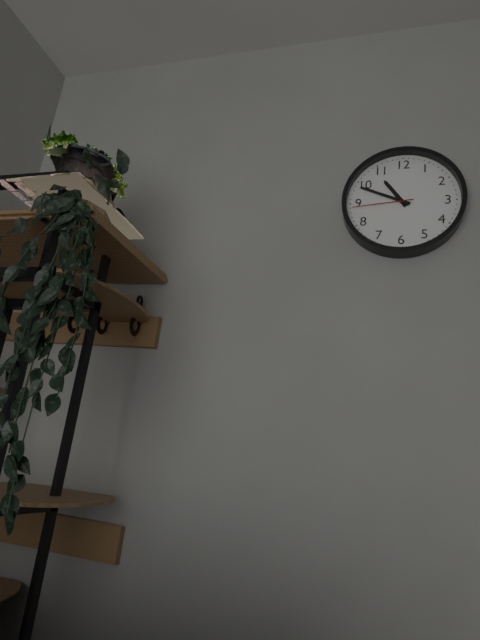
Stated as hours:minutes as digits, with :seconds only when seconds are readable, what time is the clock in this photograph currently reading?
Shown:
10:49:44
